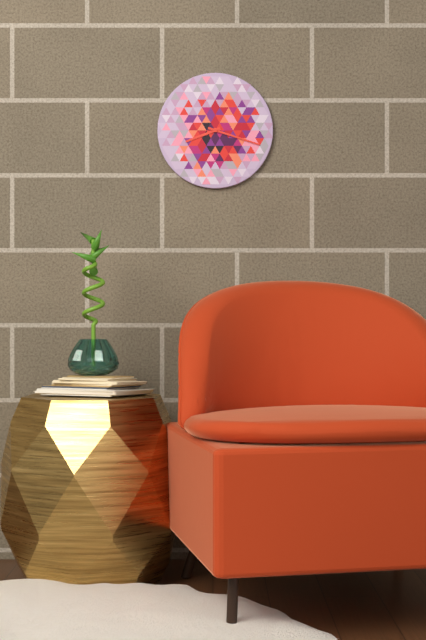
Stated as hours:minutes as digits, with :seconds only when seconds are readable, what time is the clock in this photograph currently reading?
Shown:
8:18
